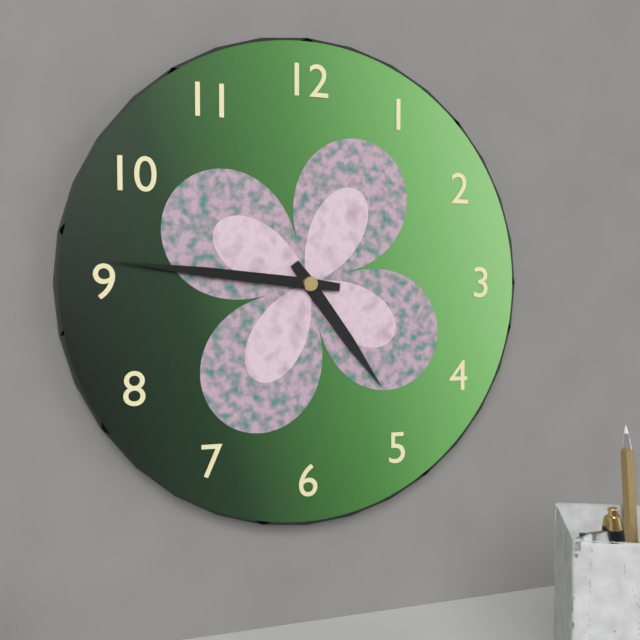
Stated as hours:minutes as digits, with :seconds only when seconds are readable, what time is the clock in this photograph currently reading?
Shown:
4:46
